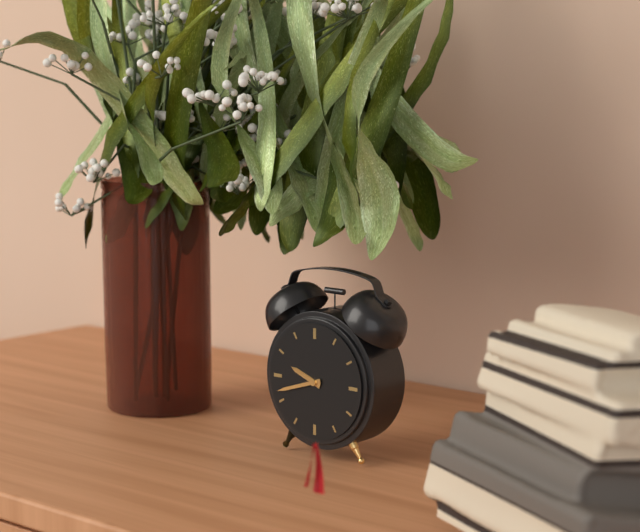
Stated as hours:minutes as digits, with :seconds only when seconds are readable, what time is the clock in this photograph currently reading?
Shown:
9:42
